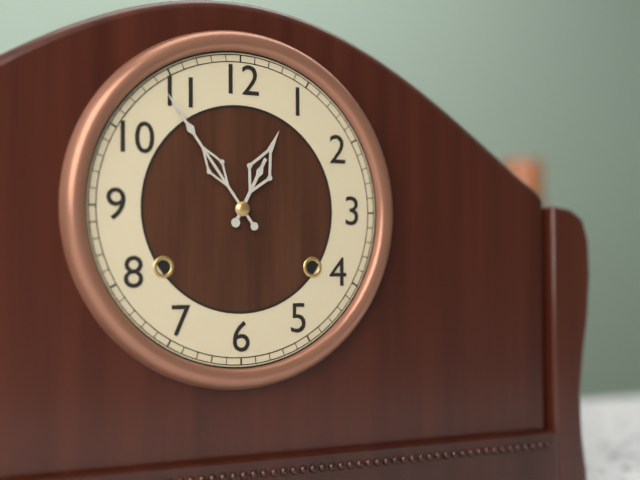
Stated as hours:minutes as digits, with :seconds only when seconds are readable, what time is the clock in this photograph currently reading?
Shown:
12:54
